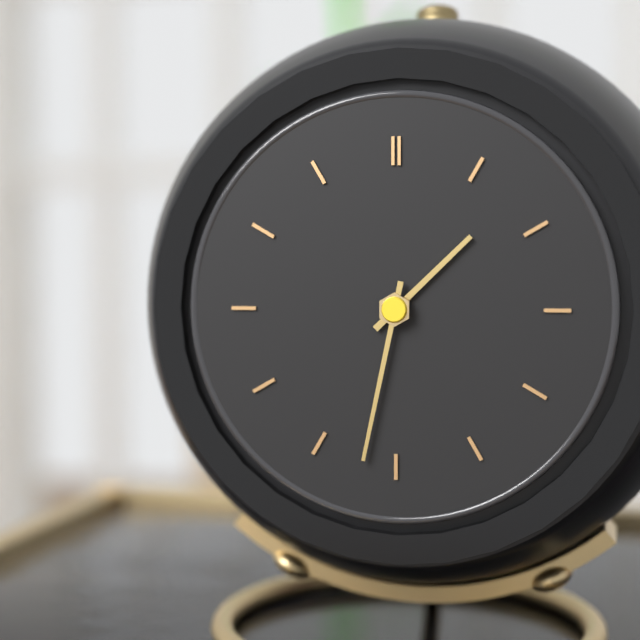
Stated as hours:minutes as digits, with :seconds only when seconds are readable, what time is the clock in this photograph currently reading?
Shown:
1:32
